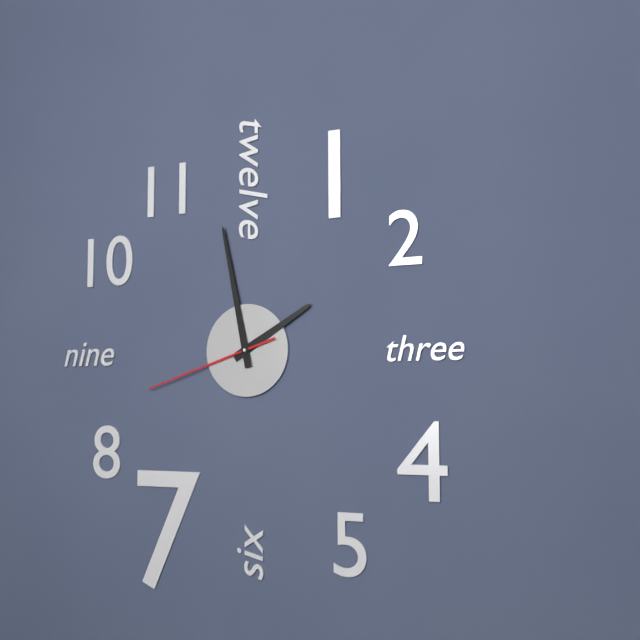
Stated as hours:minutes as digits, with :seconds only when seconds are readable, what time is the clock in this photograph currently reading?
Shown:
1:58:42
